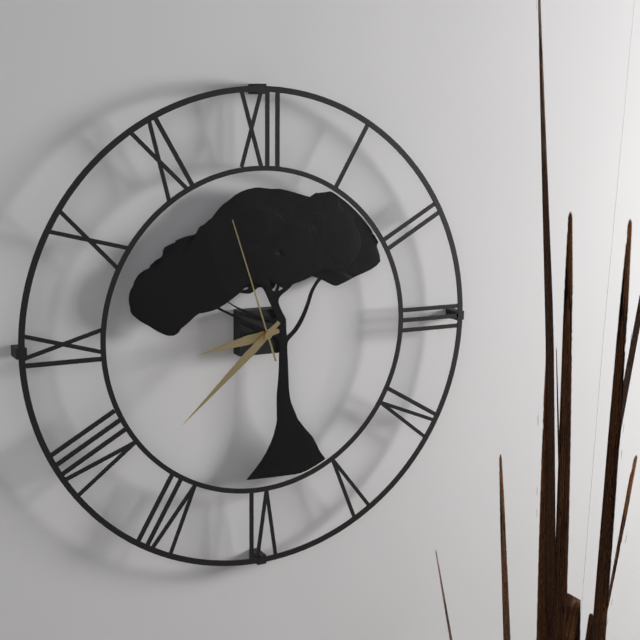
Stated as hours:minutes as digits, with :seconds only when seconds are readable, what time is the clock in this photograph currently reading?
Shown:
8:38:57
